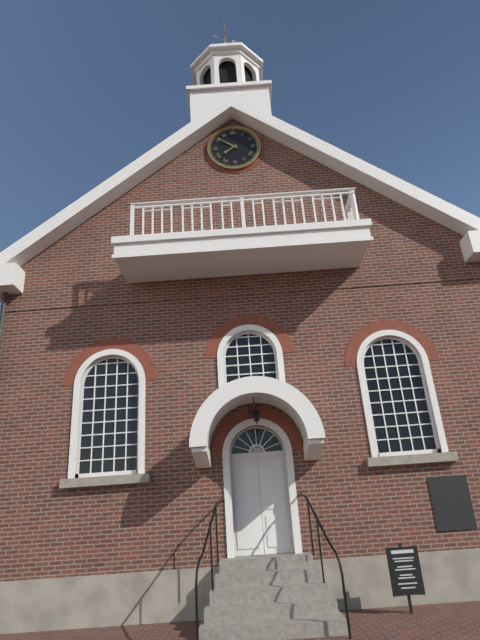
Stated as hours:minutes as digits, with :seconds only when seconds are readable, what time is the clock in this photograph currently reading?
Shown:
7:51
